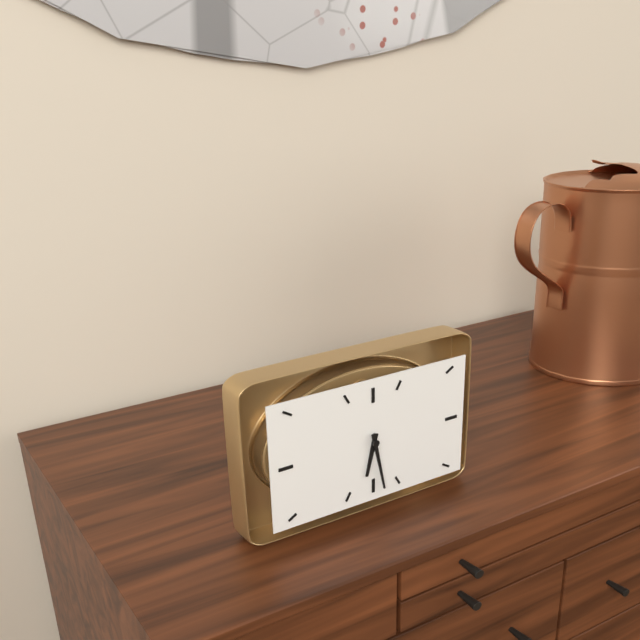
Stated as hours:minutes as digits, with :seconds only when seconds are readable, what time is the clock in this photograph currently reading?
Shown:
6:28
